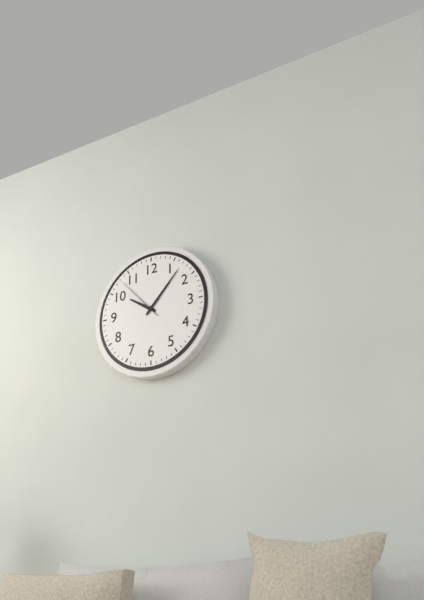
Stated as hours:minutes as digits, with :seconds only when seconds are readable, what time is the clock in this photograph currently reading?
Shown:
10:07
